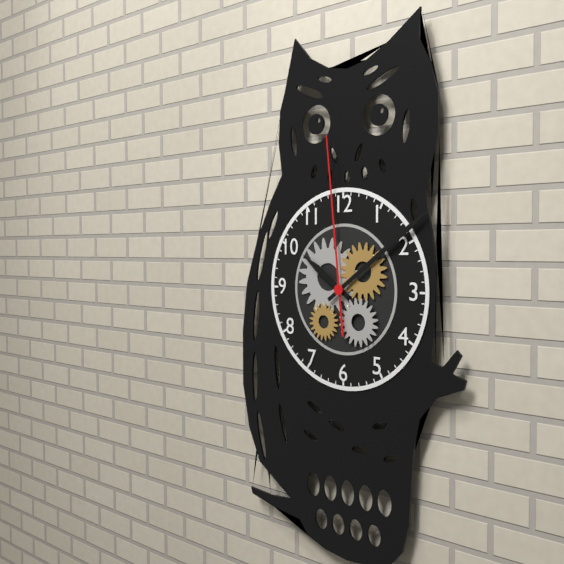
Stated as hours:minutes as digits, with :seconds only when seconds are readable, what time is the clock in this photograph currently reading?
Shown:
10:09:59
